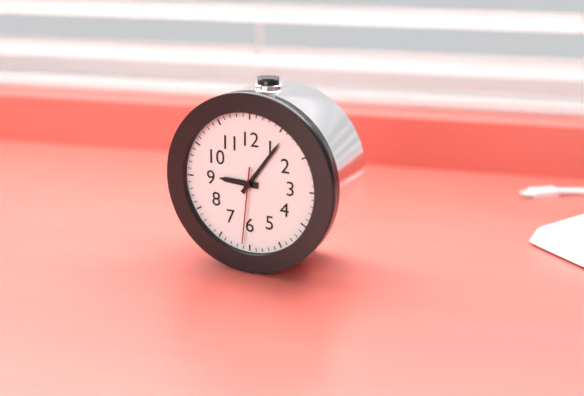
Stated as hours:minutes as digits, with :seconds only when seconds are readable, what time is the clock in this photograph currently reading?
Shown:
9:06:31
